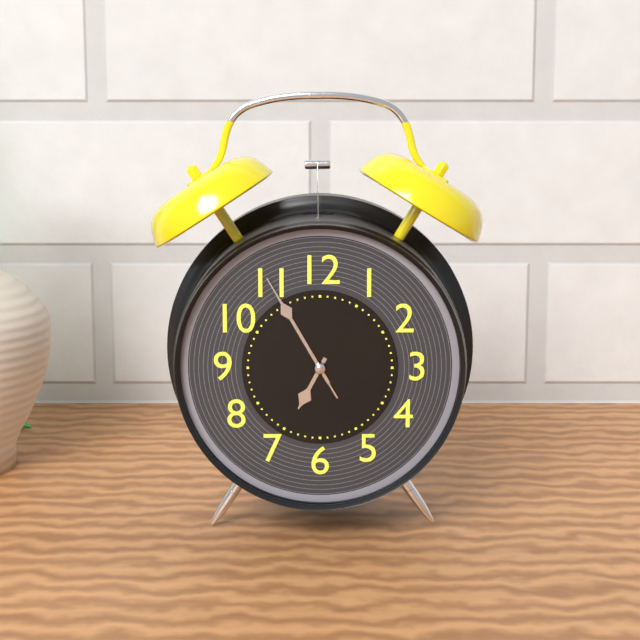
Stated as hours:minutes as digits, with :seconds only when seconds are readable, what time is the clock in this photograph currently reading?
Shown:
6:55:55
